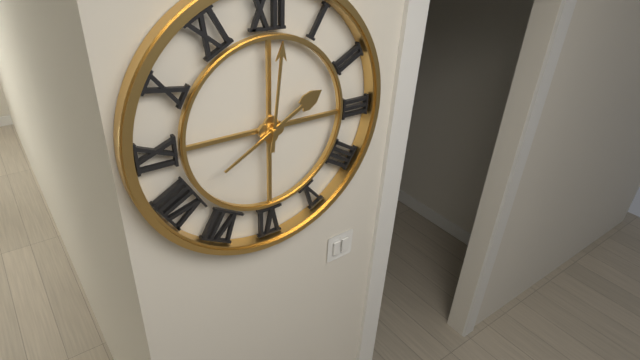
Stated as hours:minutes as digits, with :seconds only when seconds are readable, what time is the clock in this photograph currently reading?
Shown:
2:01
